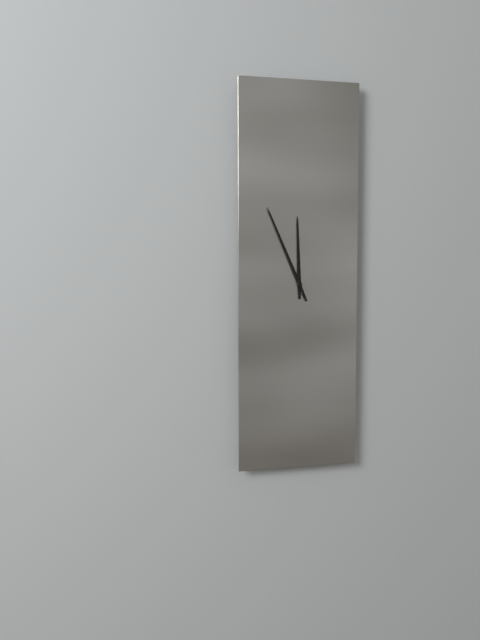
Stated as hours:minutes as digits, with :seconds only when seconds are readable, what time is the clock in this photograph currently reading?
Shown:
11:56
